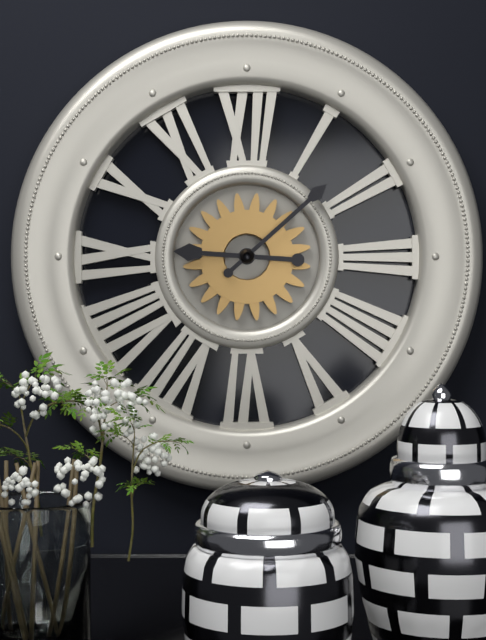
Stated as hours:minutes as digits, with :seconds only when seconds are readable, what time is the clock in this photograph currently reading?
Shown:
9:08
